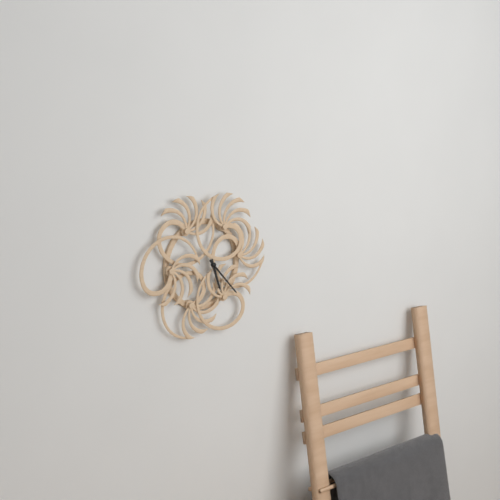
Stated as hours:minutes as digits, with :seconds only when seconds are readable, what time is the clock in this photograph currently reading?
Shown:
5:23
